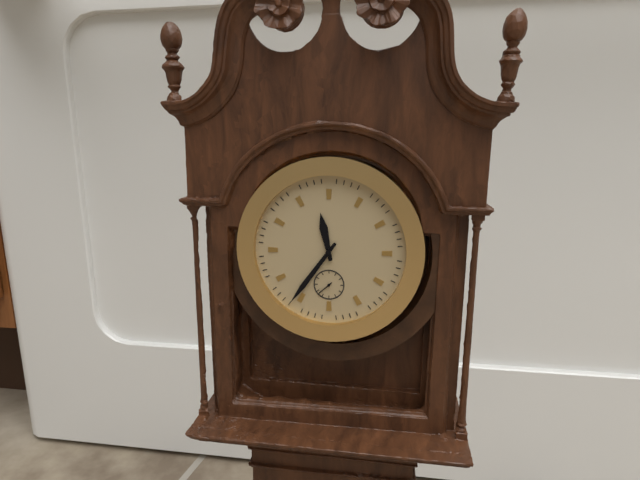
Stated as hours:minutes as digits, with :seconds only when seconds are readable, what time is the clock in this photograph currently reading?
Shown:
11:36
